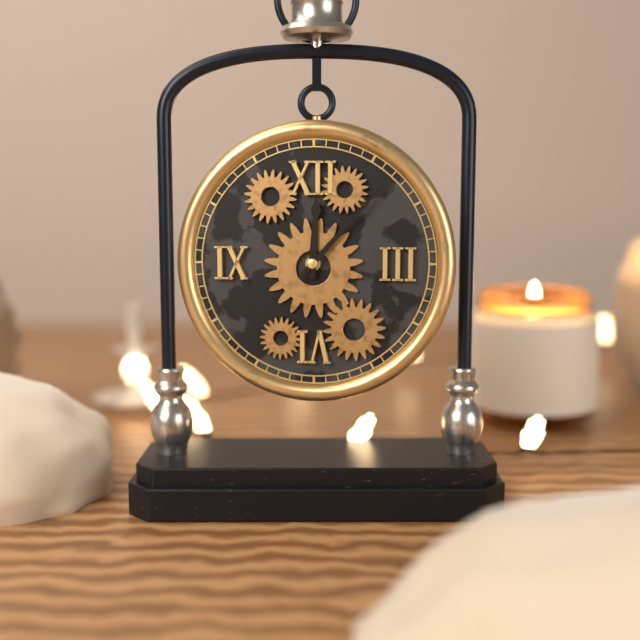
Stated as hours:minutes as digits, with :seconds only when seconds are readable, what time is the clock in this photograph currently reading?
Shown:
12:07
